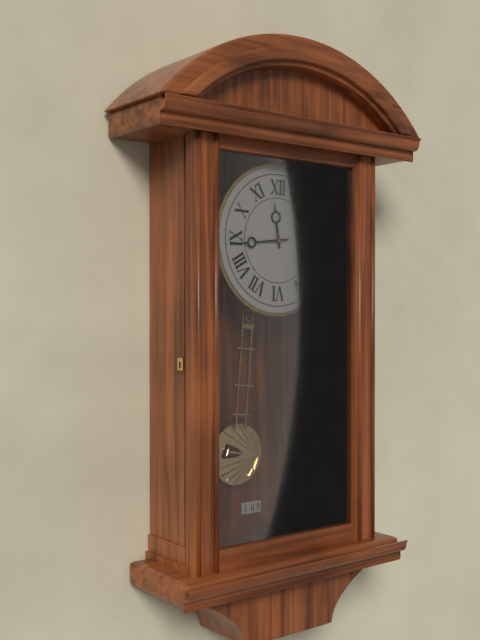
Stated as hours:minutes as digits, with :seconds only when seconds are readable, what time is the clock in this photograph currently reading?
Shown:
11:44
